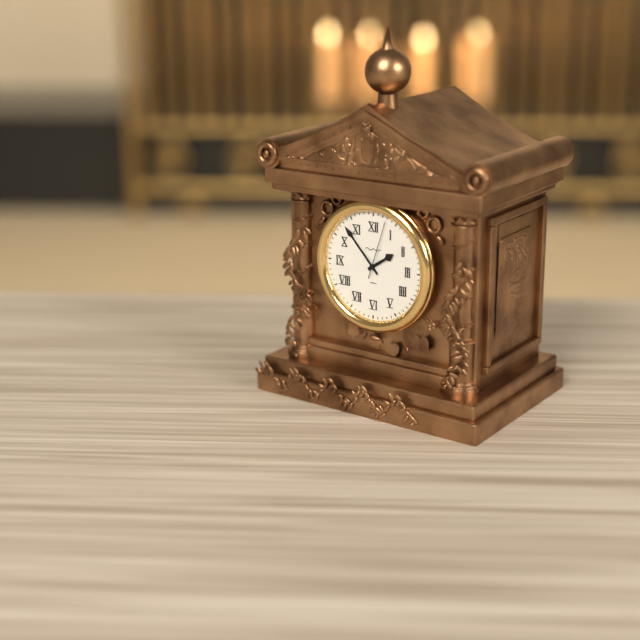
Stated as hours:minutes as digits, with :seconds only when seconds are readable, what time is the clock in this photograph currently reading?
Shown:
1:53:03
